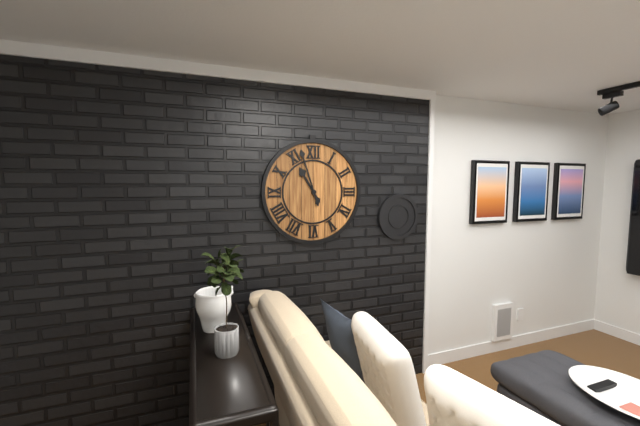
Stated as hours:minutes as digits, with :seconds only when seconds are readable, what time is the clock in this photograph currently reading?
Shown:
10:57
